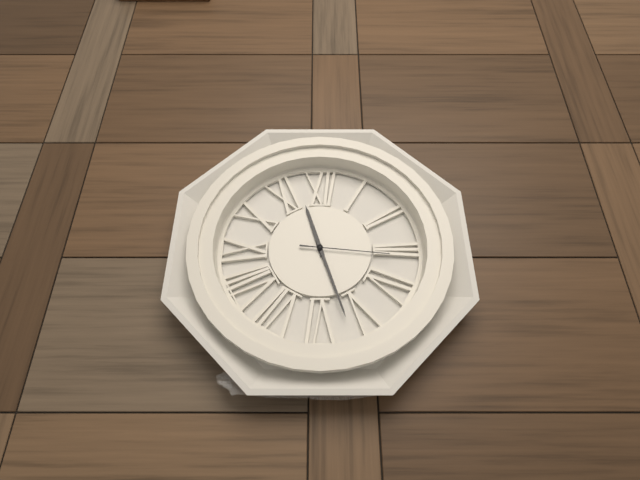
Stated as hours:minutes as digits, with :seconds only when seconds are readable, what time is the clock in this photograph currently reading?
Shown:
11:27:16
